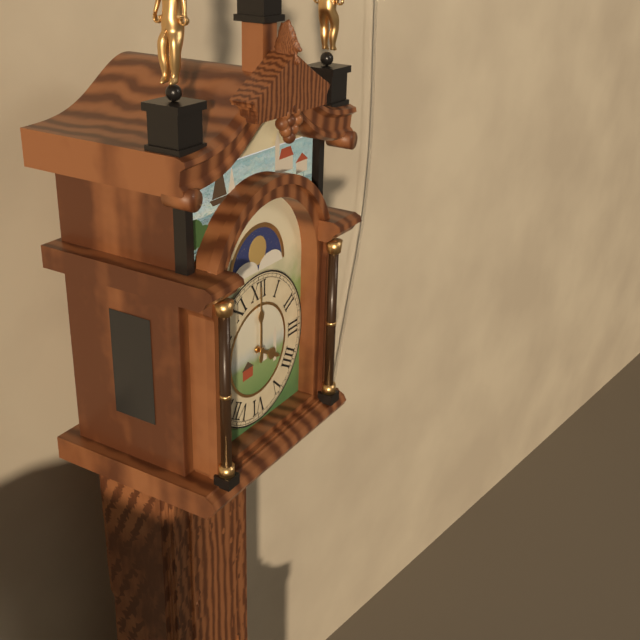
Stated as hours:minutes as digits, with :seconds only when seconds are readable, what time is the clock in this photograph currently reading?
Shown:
4:00
